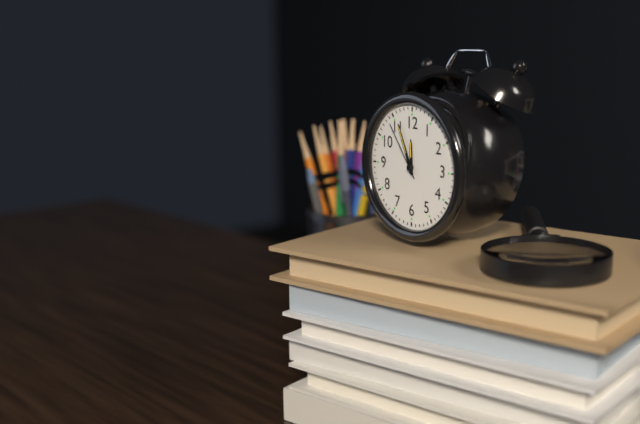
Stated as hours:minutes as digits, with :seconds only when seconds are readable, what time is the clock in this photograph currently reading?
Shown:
11:56:54
